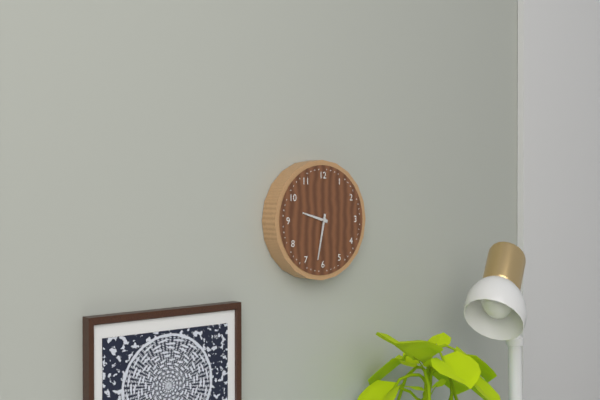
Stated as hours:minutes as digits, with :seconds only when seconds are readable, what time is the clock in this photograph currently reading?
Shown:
9:32
